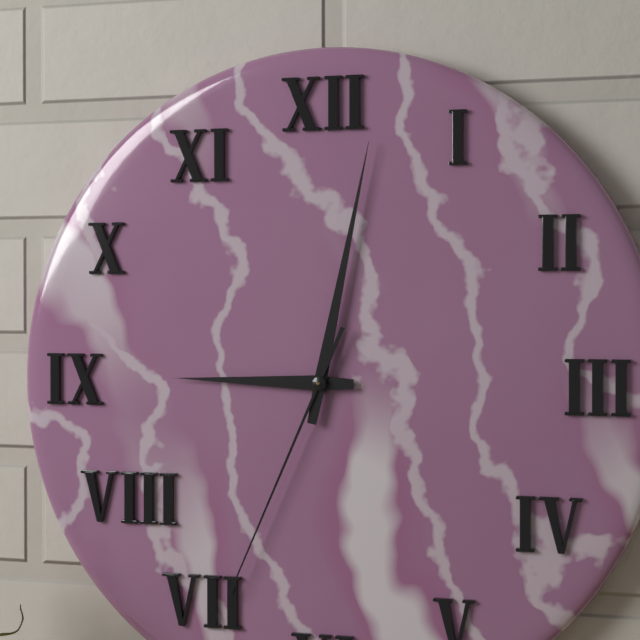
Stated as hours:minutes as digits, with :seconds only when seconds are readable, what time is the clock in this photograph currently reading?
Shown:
9:02:34
